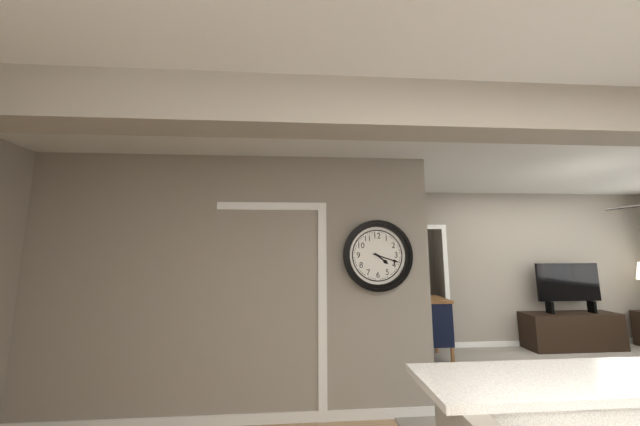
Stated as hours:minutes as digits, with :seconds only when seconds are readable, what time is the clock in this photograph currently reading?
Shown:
4:18
